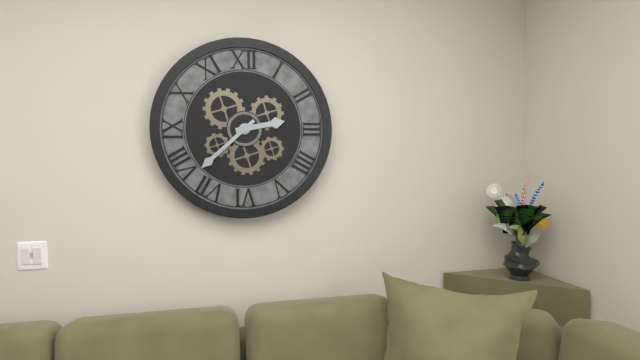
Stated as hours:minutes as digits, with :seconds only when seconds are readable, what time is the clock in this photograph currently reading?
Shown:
2:38
